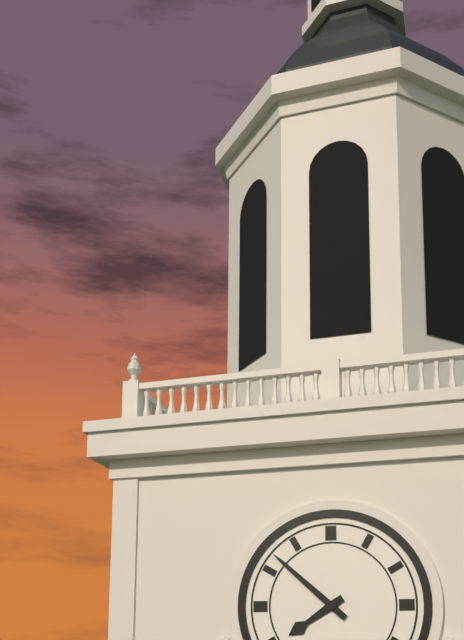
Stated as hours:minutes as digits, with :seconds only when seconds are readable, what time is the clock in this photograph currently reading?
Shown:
7:52
